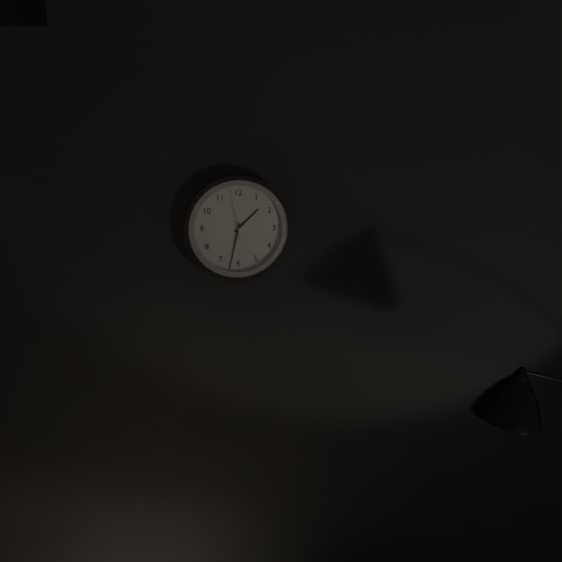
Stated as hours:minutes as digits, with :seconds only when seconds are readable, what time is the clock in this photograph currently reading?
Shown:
1:32
